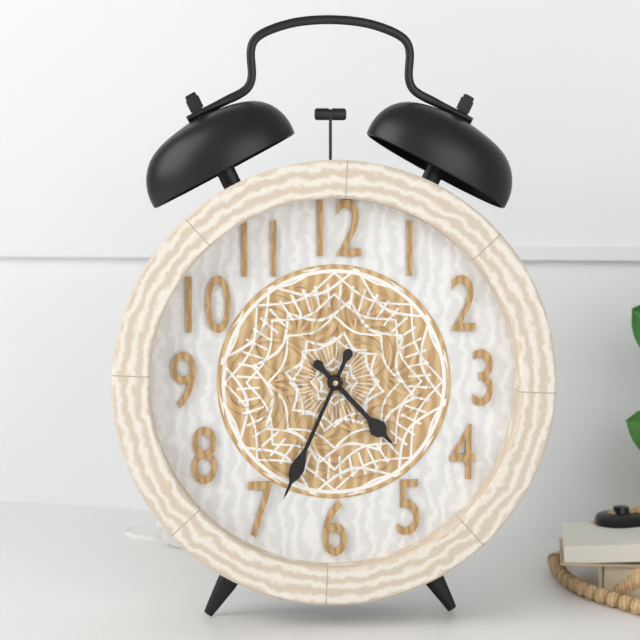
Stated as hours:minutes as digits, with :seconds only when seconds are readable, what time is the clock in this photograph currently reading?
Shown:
4:34
